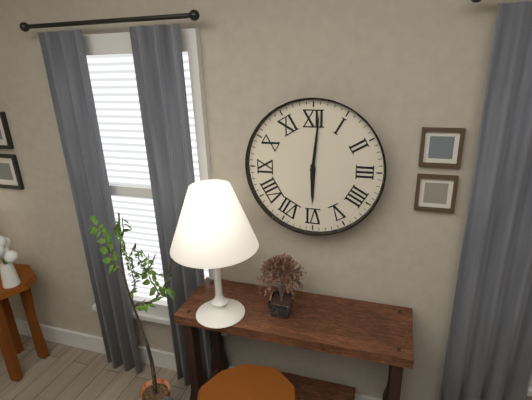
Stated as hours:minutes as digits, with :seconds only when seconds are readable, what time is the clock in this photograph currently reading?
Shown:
6:01
